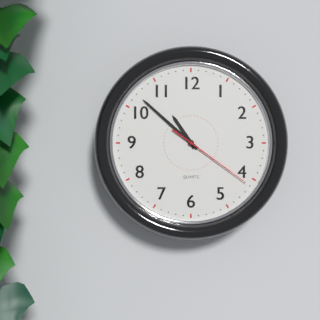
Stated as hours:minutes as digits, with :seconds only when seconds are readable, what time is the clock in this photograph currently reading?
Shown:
10:52:21
